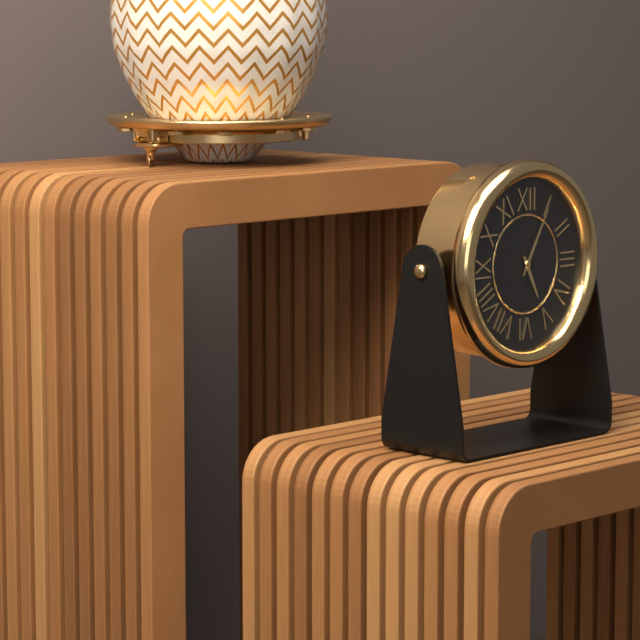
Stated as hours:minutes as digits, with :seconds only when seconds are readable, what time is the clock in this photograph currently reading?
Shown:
5:05
